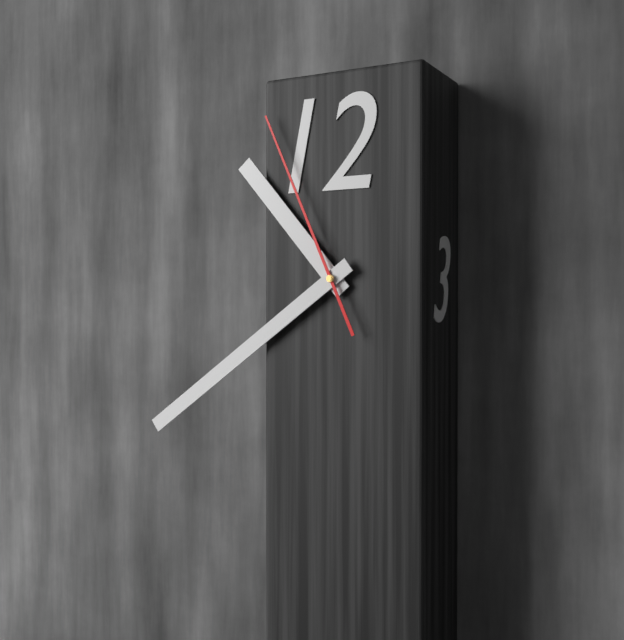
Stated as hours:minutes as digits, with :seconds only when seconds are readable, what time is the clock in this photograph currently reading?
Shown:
10:39:56
